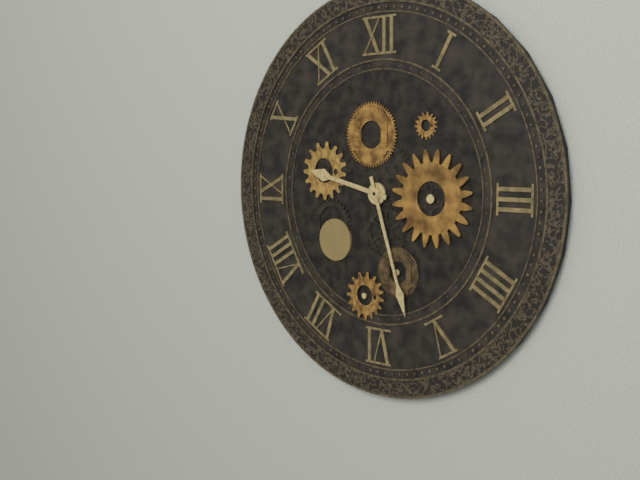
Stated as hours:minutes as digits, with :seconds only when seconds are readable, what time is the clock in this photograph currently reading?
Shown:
9:27
